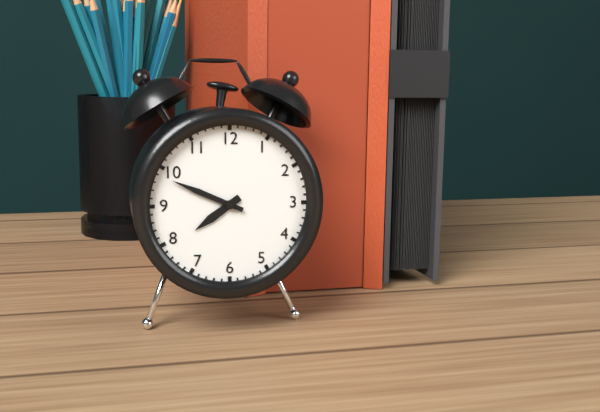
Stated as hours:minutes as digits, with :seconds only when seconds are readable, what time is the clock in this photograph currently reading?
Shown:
7:49
